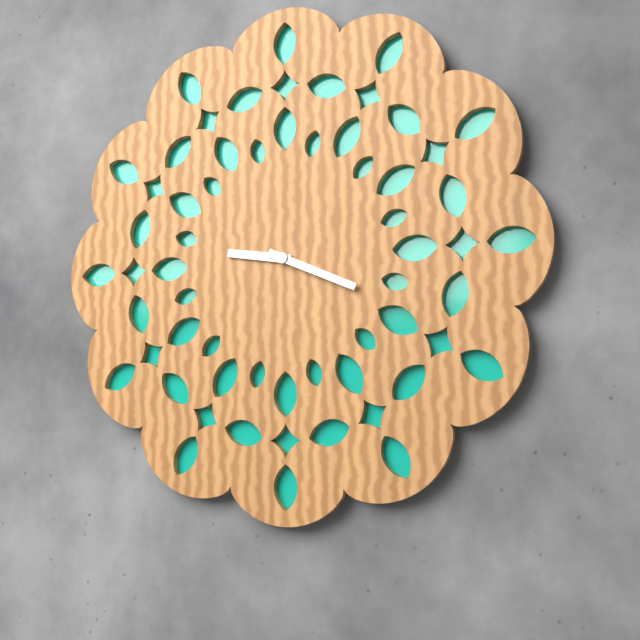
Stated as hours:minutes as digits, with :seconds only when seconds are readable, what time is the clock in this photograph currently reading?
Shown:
9:19
